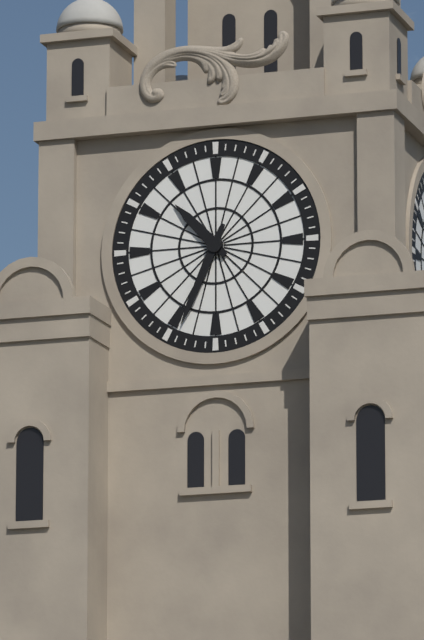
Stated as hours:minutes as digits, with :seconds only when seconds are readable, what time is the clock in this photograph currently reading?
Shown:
10:34
